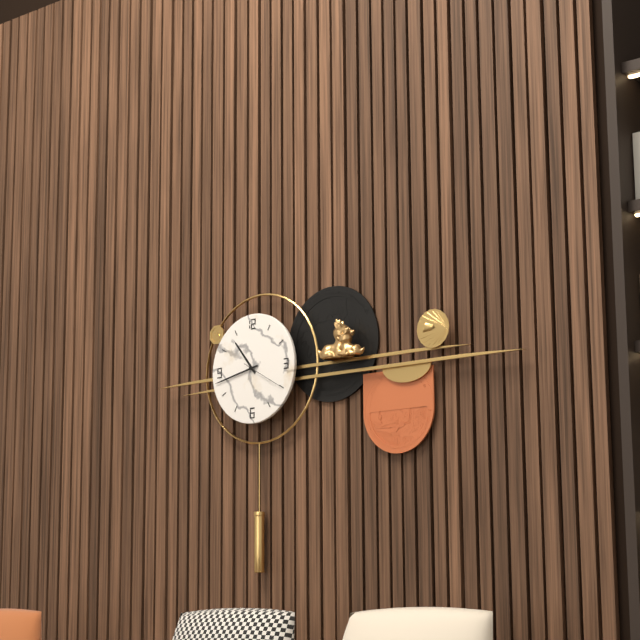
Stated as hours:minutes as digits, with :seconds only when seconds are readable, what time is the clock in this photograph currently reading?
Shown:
10:43
